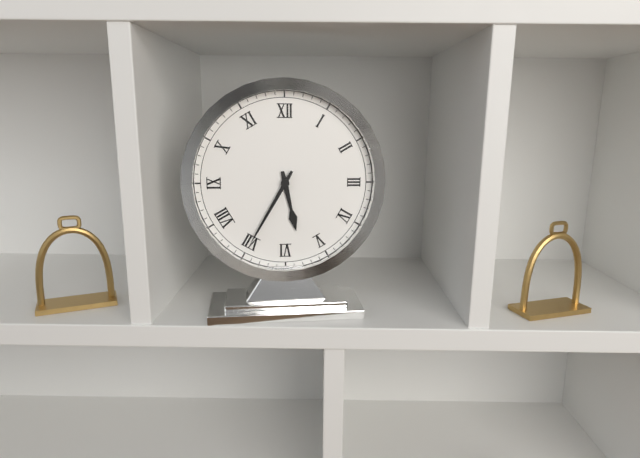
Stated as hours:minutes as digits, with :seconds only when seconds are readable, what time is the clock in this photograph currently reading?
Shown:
5:35
